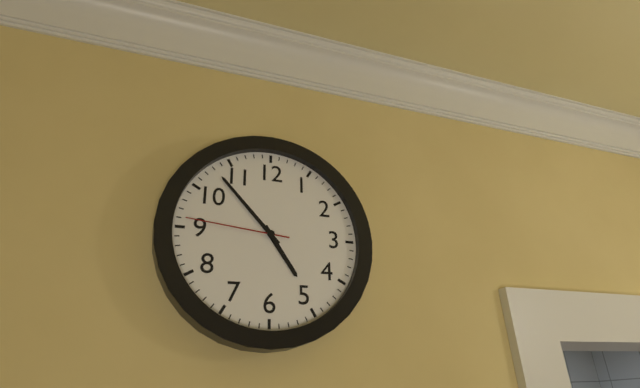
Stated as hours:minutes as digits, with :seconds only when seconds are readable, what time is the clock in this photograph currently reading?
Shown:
4:53:46
